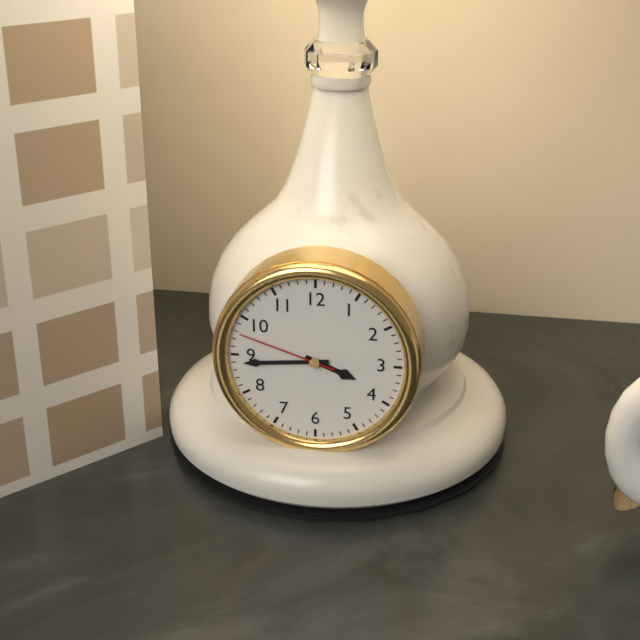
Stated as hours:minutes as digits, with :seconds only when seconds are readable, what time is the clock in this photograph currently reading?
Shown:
3:44:48
